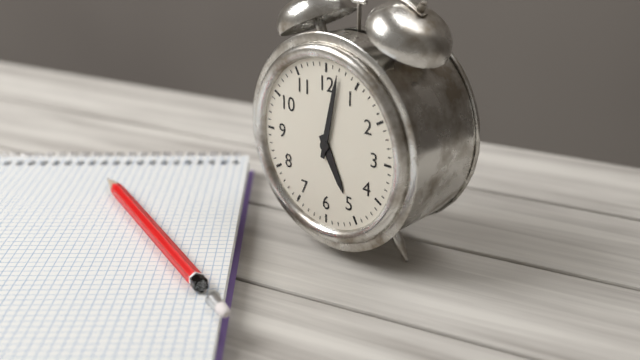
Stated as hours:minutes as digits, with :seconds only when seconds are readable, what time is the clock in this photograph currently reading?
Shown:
5:02
